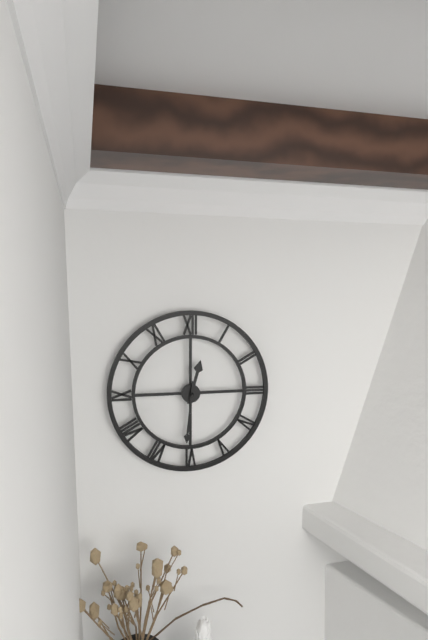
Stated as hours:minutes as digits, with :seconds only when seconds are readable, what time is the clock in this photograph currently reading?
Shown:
12:31
